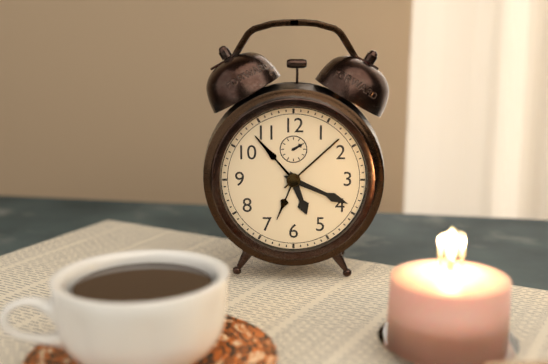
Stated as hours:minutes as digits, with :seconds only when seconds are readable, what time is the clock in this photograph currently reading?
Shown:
5:19
